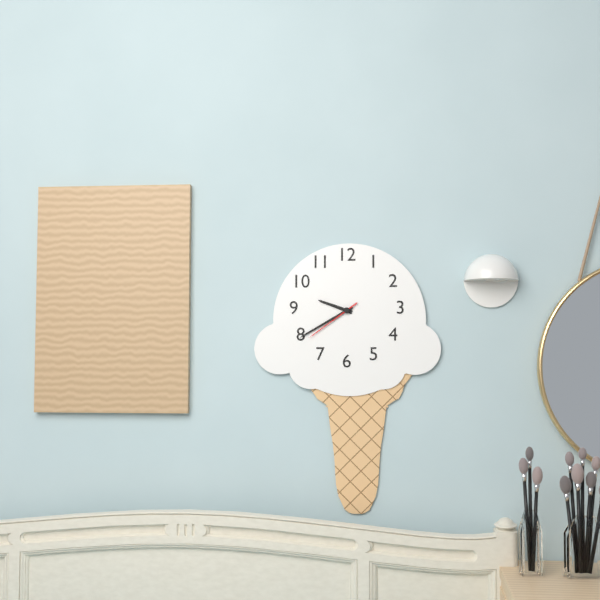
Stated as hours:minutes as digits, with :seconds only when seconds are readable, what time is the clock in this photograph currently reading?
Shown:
9:40:39
